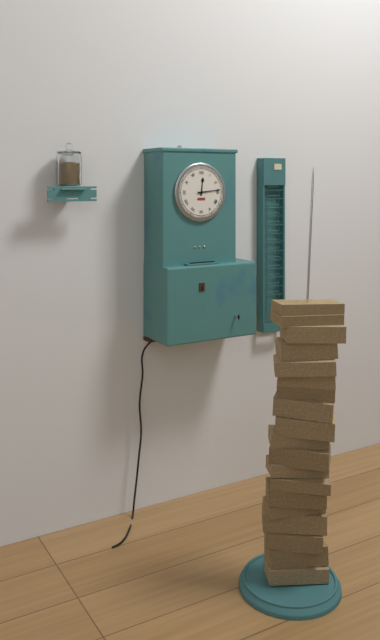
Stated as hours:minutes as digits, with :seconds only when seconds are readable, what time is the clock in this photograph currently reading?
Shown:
12:14
